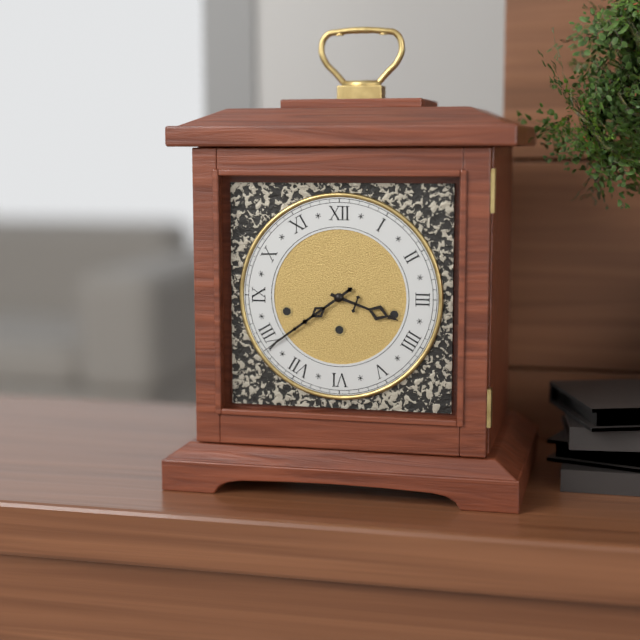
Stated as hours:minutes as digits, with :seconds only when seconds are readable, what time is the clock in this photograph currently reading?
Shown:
3:39
